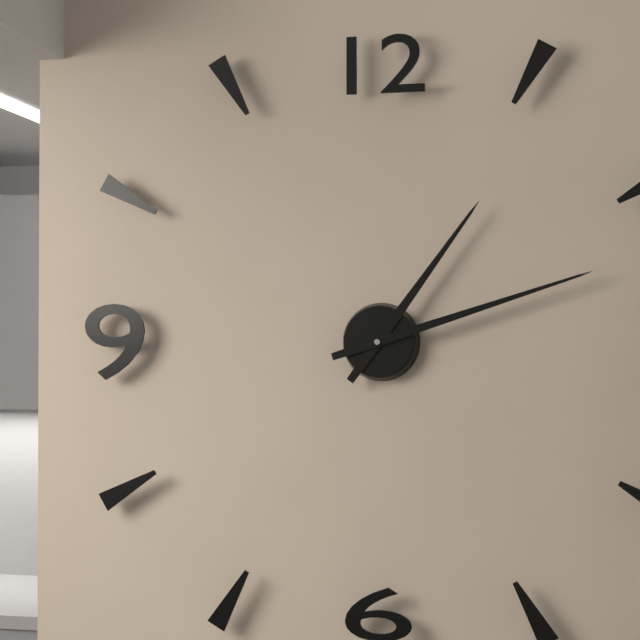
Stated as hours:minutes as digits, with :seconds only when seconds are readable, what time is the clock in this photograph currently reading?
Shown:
1:12
